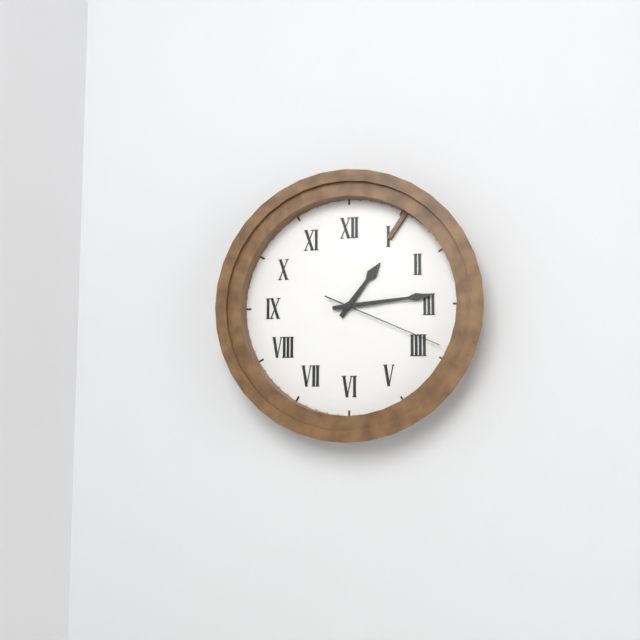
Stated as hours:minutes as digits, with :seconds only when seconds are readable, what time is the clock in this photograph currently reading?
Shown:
1:14:19
